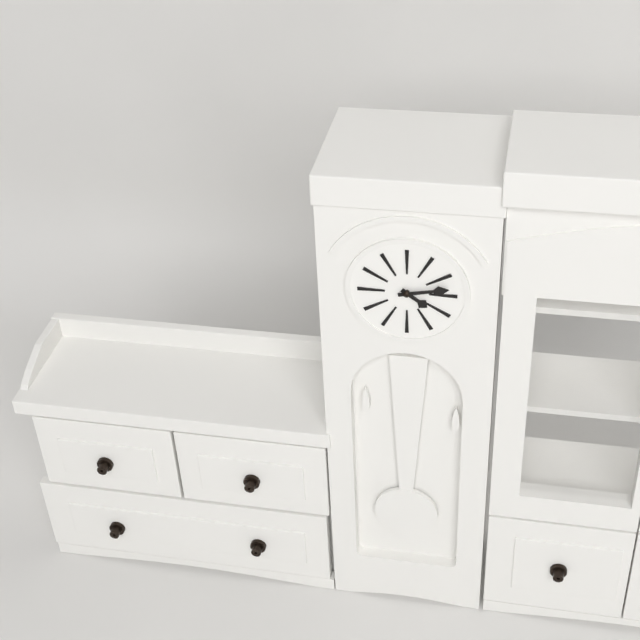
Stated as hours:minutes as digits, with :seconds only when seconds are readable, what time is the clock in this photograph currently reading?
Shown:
4:13
